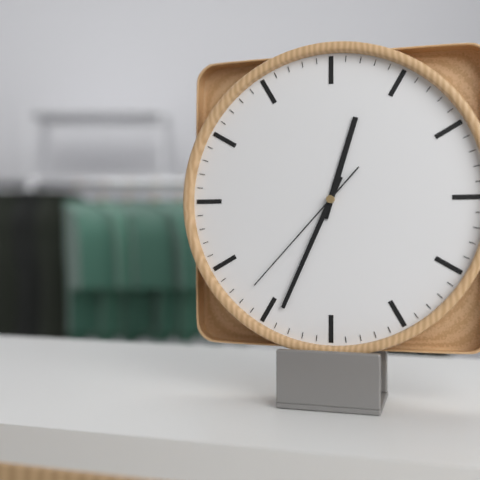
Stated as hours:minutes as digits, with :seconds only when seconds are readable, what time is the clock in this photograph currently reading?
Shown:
12:34:37
